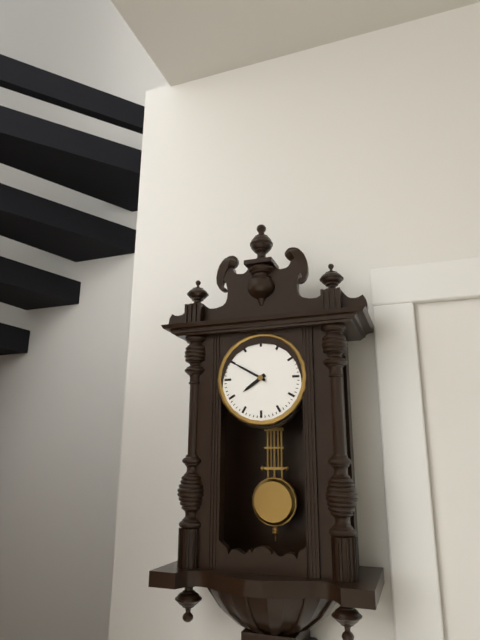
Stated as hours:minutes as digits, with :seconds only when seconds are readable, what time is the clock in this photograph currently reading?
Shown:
7:50
